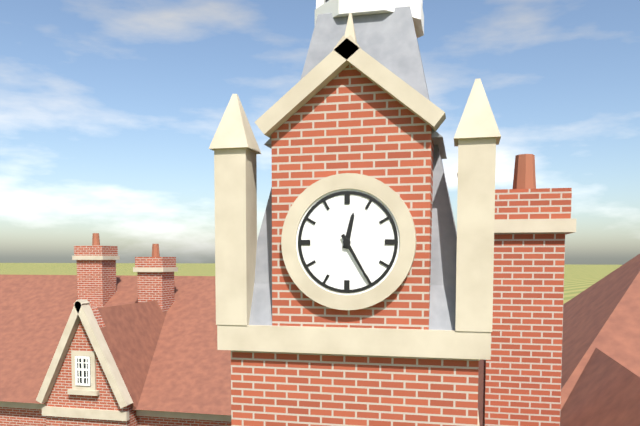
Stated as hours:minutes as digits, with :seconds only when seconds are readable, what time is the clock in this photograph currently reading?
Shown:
12:25
